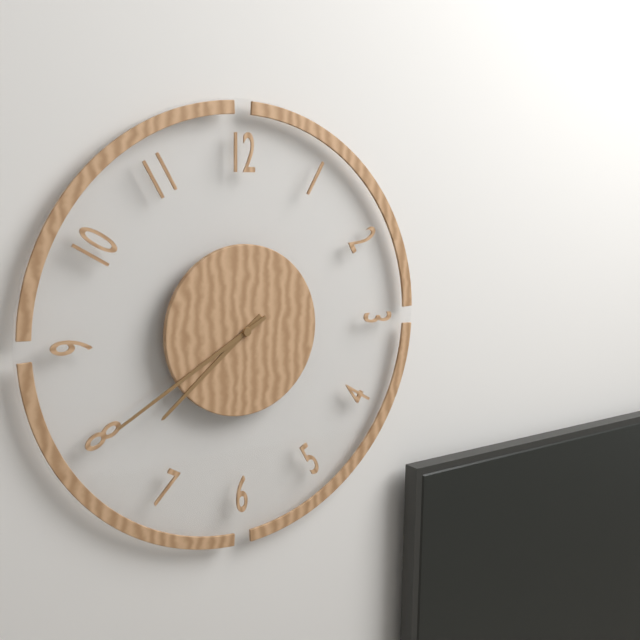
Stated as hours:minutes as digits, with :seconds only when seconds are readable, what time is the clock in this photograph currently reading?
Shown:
7:40
